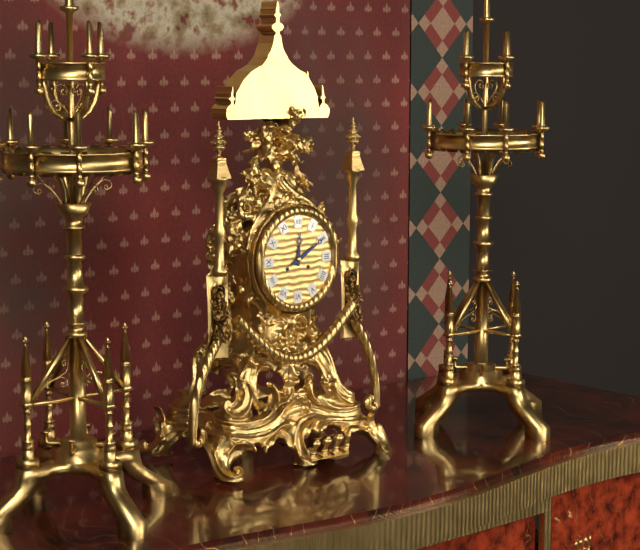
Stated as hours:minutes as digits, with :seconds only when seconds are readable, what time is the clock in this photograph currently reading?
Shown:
12:10
